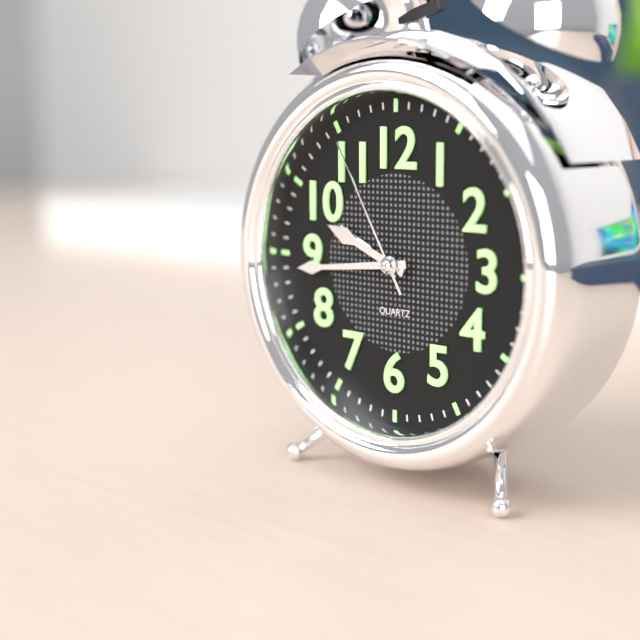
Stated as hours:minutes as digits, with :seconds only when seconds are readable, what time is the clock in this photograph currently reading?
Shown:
9:44:55
